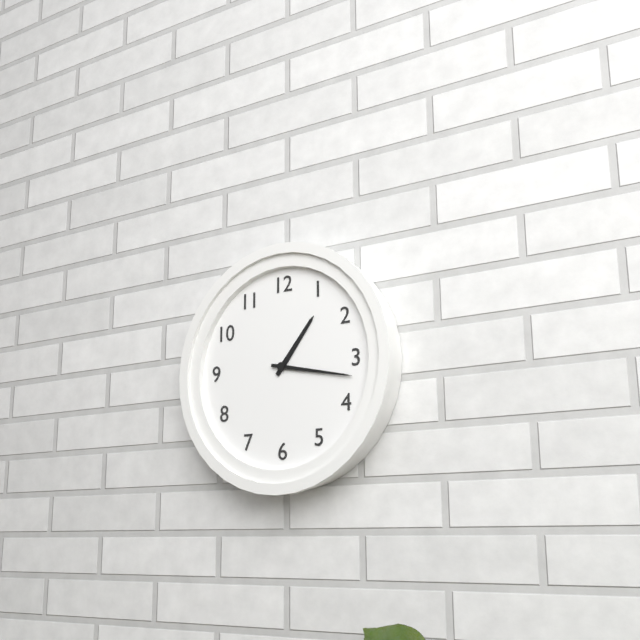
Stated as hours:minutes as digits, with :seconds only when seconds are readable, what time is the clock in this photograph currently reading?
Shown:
1:17
